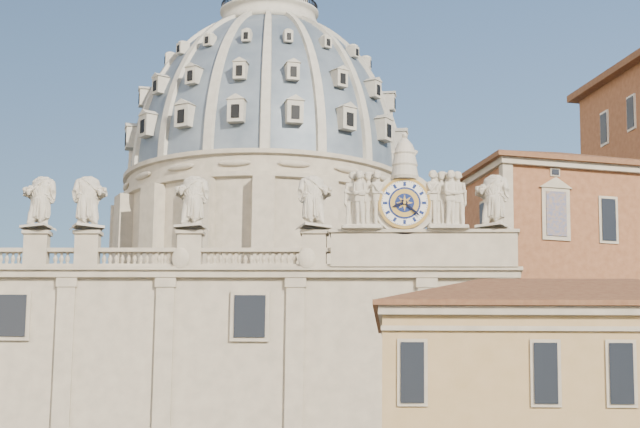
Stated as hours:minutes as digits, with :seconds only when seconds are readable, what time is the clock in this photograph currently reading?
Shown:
8:22
